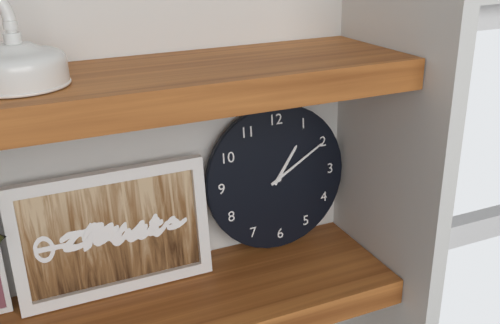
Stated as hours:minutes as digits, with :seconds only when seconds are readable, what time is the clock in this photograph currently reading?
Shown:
1:10
